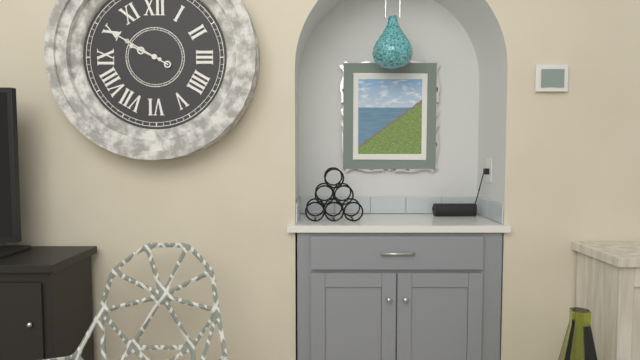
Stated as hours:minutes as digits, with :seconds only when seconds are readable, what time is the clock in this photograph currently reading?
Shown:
9:50
